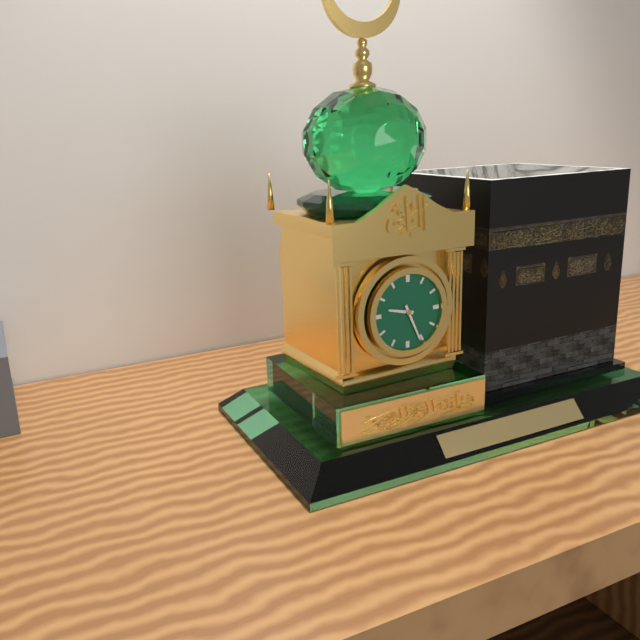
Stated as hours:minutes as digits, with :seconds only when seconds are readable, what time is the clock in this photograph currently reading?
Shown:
9:26
